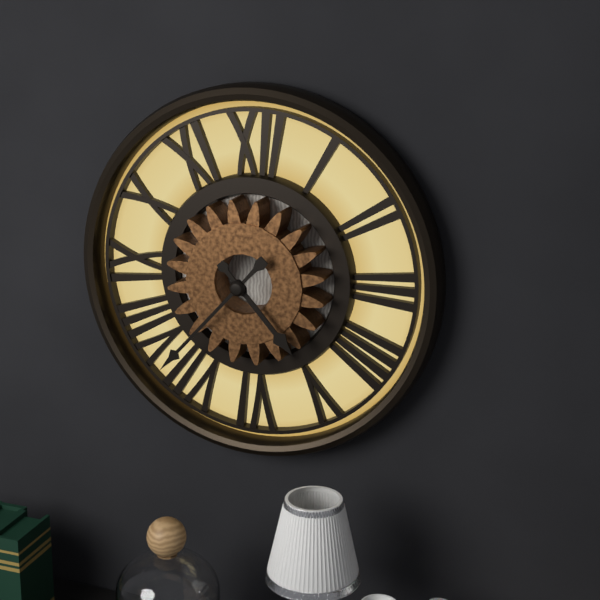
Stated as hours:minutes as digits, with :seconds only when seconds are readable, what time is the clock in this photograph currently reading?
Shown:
4:37
